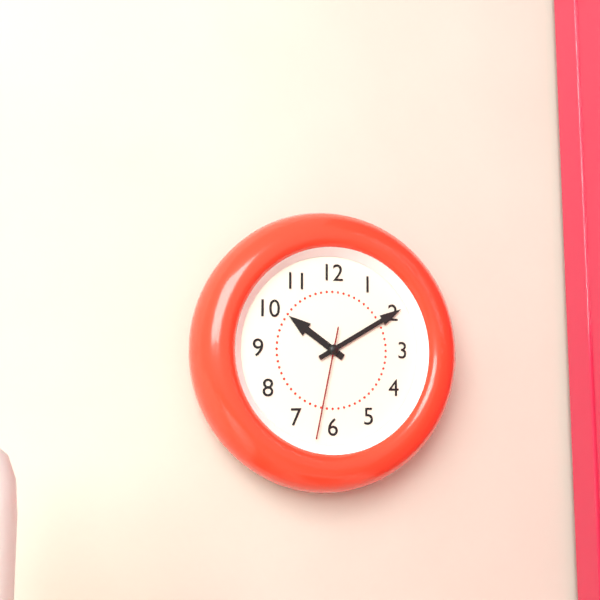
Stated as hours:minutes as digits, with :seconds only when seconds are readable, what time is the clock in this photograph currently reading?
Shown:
10:10:32
